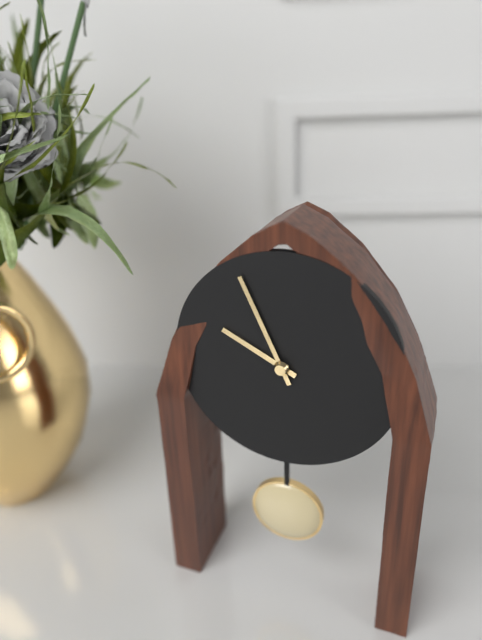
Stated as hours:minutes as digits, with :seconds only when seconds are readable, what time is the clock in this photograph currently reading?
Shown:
9:56
